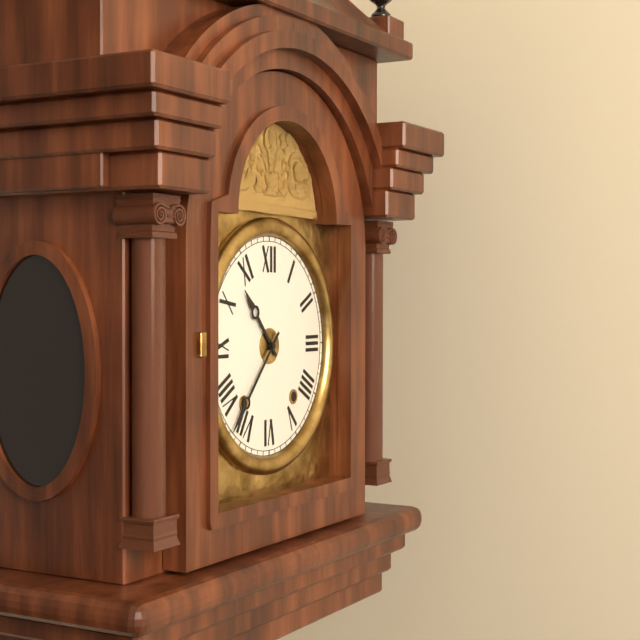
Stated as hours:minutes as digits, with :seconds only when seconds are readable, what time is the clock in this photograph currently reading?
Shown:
10:37
